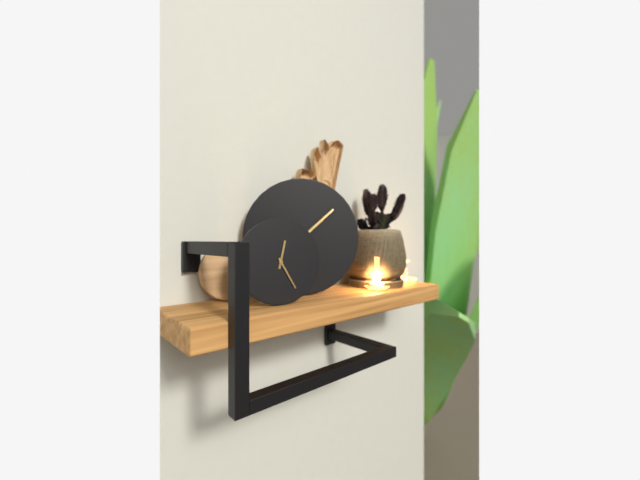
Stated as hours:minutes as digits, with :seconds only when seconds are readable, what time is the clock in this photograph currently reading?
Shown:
12:25
